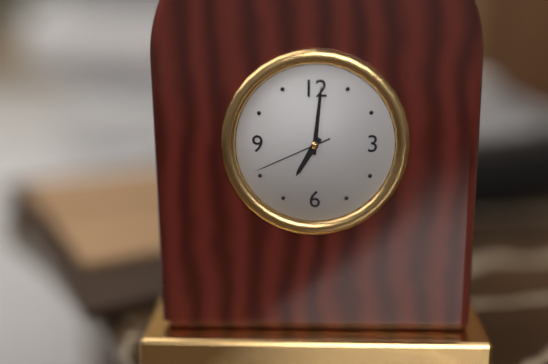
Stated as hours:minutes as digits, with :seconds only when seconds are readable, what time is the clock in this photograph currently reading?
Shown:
7:01:41
